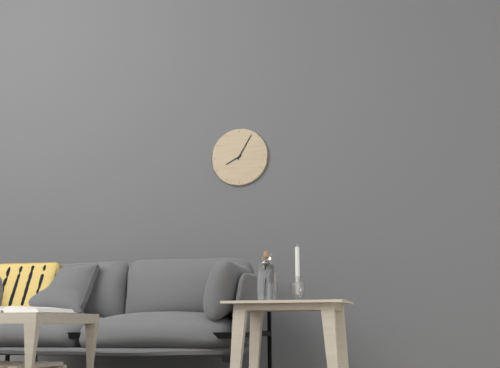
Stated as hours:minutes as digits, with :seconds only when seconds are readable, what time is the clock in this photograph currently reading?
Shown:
8:05
